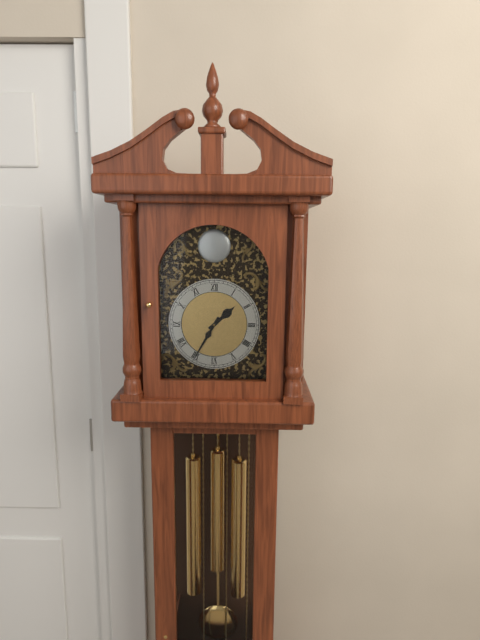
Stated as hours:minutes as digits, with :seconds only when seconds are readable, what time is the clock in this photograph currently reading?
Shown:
1:35
